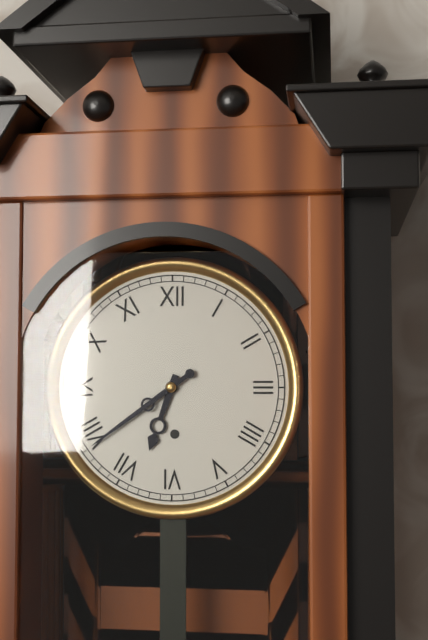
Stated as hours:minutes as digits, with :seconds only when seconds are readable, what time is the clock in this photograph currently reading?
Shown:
6:39
